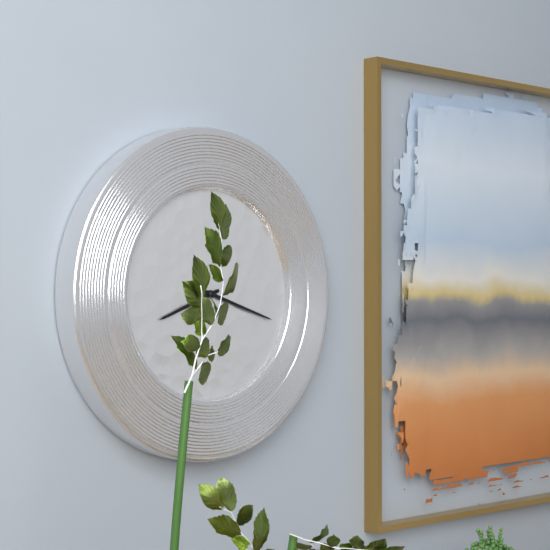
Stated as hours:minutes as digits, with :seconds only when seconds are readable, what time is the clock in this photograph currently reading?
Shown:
8:18
